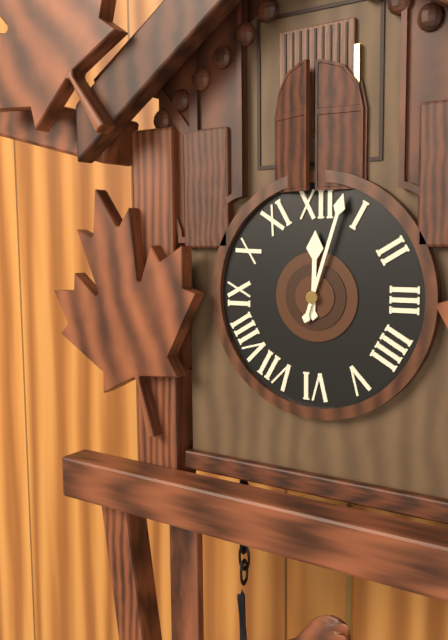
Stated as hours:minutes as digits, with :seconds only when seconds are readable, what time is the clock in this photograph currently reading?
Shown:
12:03
